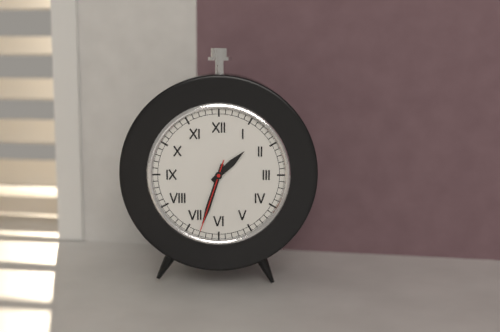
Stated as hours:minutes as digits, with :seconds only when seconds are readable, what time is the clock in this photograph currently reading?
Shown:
1:33:33
